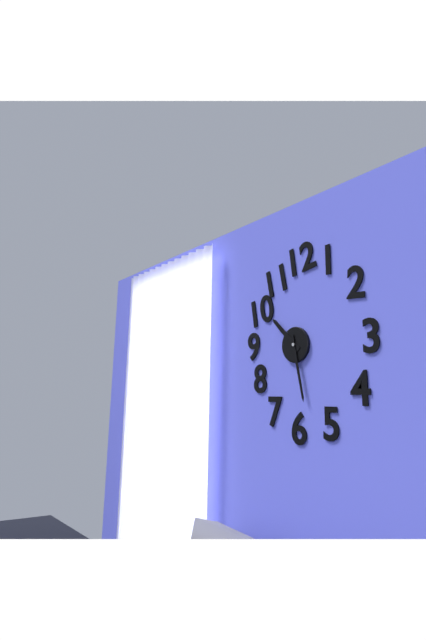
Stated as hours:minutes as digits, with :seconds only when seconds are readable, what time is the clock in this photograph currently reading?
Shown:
10:28
